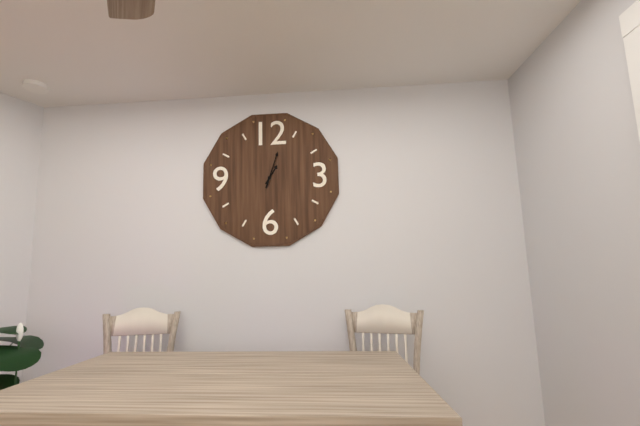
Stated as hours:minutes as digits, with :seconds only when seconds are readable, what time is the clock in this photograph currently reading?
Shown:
1:03
